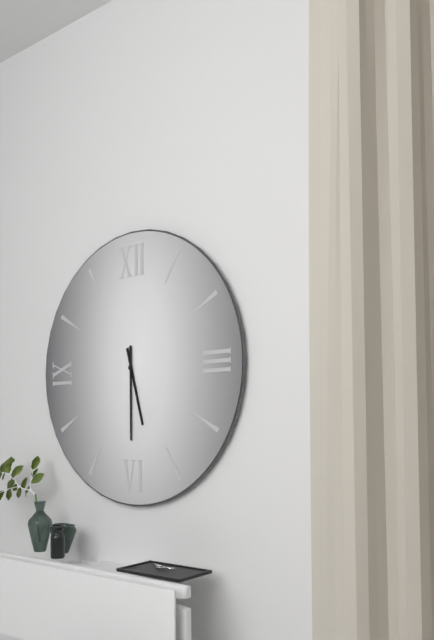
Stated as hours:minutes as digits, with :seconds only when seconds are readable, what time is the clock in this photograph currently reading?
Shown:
5:30
